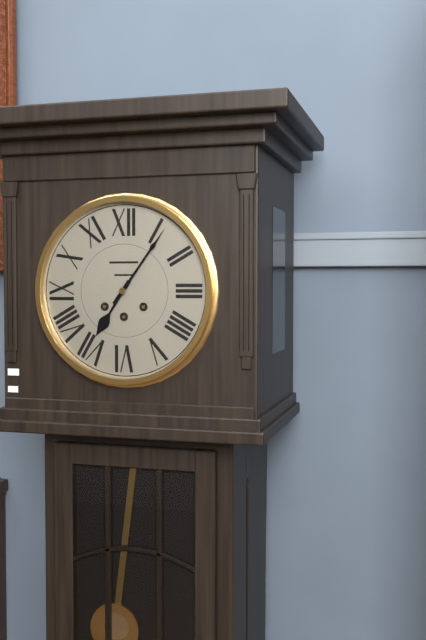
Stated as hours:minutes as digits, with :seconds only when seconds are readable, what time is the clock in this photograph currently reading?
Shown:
7:06
